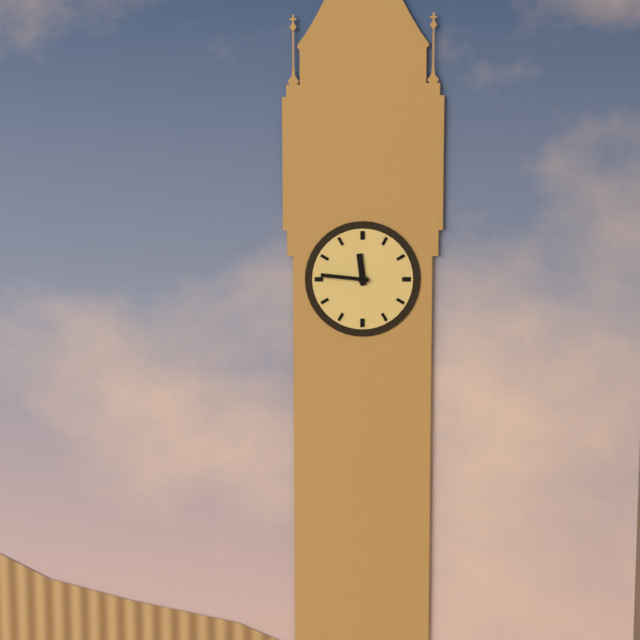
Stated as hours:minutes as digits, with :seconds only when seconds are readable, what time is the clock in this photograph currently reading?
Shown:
11:46
